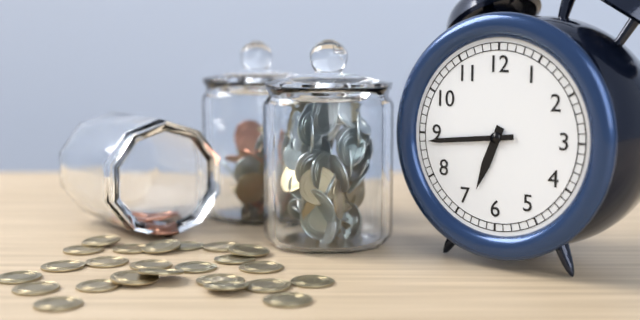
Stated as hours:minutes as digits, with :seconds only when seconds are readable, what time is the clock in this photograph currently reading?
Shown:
6:44
